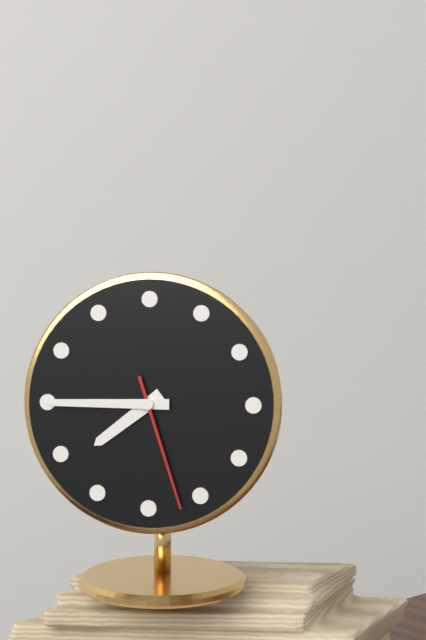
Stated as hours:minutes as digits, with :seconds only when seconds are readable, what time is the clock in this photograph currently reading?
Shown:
7:45:27
